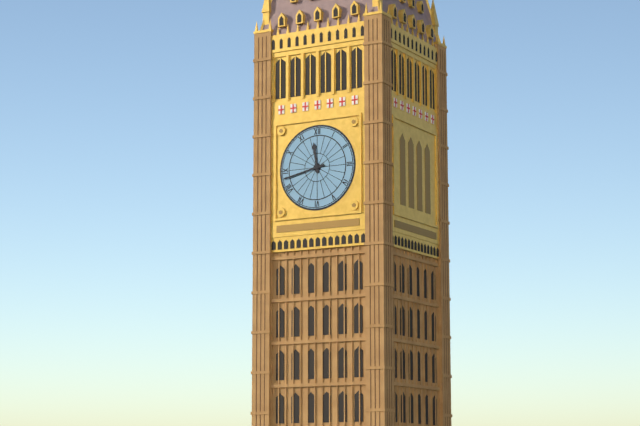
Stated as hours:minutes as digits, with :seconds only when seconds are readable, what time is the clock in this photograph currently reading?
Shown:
11:43
